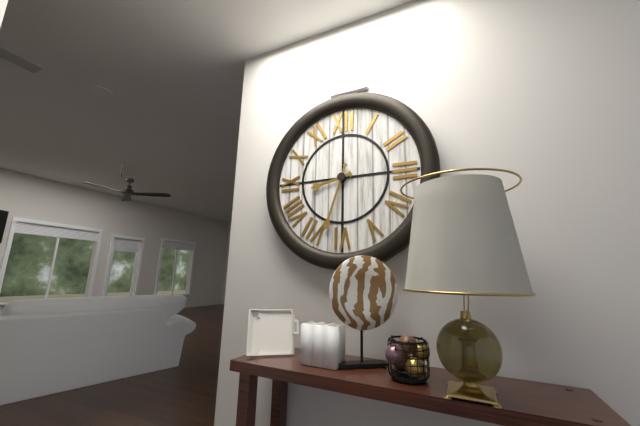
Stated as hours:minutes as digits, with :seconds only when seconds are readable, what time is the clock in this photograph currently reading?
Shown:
8:33
